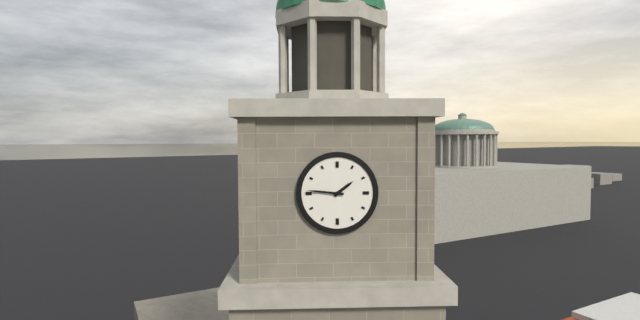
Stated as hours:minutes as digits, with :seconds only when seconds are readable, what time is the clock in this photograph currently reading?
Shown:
1:46
